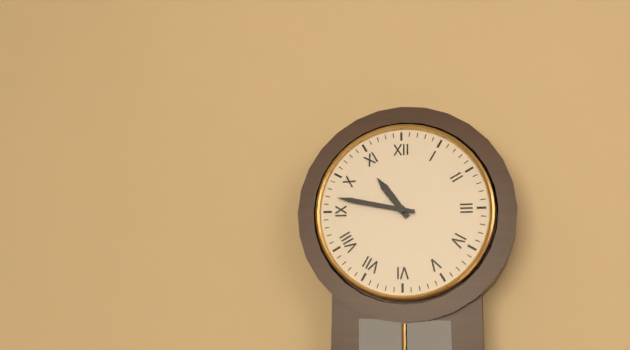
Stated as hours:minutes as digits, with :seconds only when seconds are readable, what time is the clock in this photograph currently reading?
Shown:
10:47
